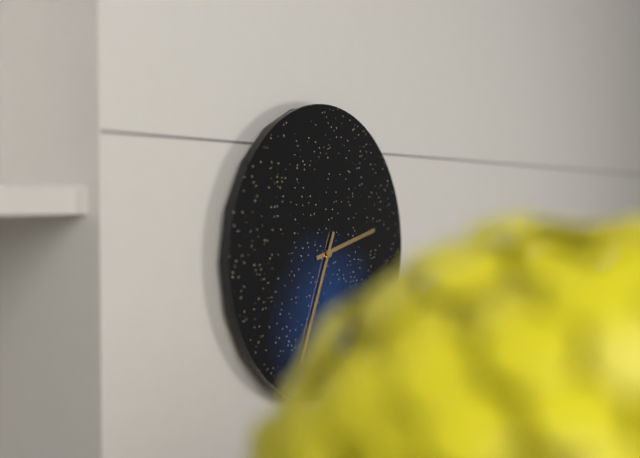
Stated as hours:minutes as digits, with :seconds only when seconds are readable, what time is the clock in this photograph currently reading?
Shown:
2:34
